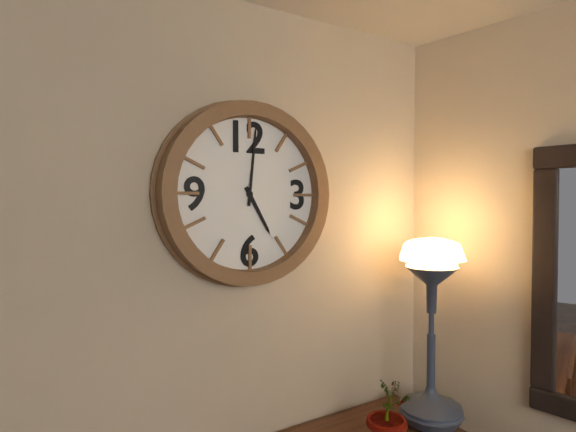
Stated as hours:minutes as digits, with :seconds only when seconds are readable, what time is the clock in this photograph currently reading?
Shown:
5:01
